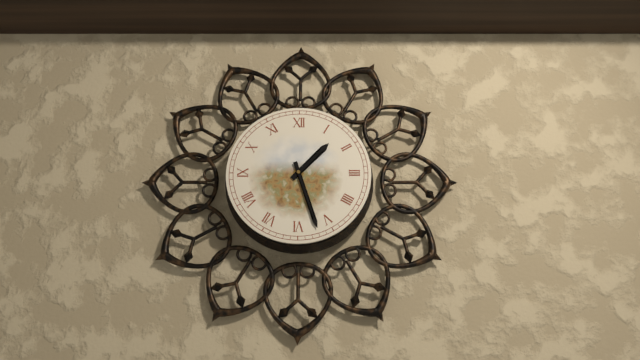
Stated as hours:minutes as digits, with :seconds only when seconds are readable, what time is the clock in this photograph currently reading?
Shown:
1:27
